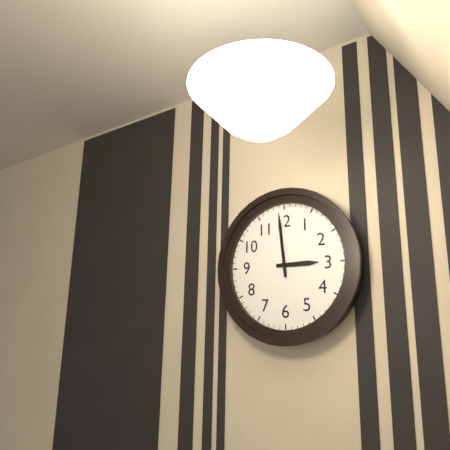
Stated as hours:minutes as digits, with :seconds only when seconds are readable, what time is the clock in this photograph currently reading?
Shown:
2:59
